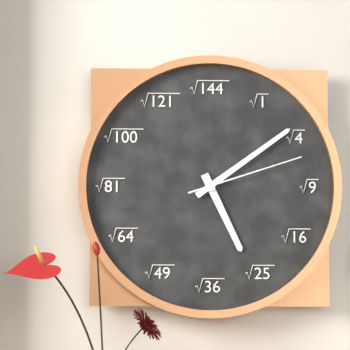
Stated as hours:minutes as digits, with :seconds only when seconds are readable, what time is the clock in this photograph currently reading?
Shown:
5:09:12
